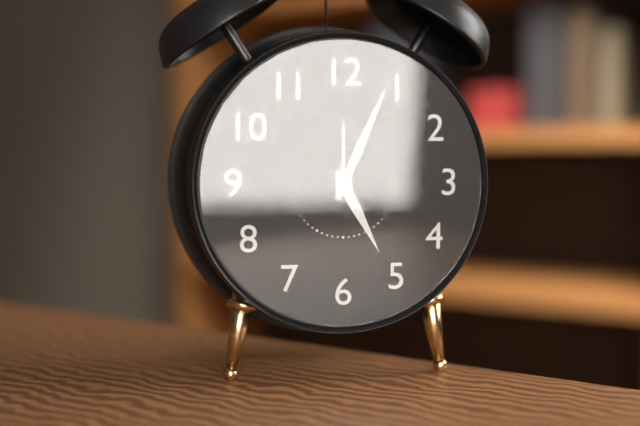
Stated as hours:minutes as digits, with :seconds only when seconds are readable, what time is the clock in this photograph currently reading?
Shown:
5:04
